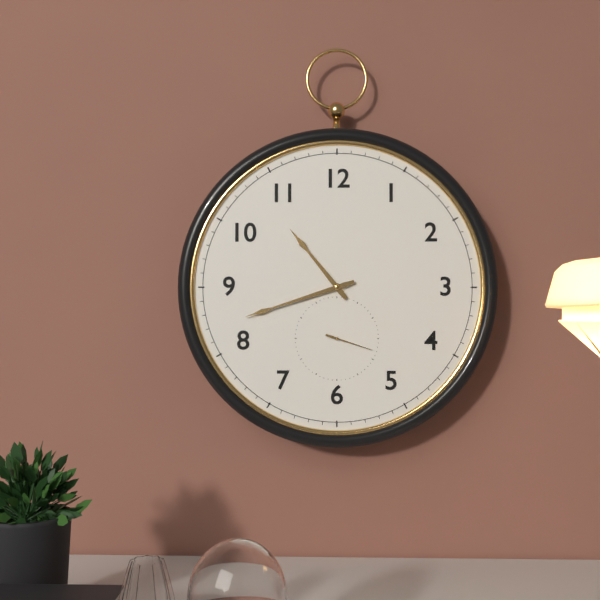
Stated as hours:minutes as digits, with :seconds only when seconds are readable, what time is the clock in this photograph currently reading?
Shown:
10:42
